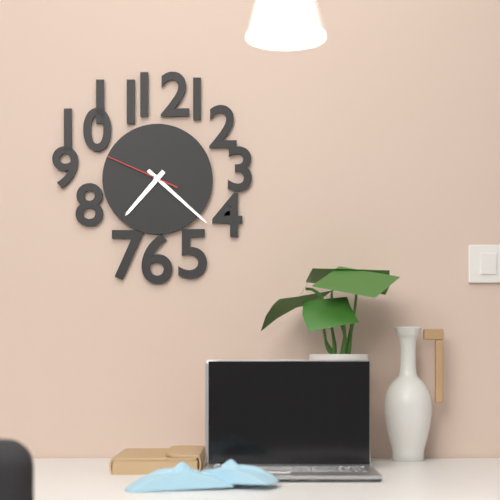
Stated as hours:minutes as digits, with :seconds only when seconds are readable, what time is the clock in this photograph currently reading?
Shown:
7:22:49
